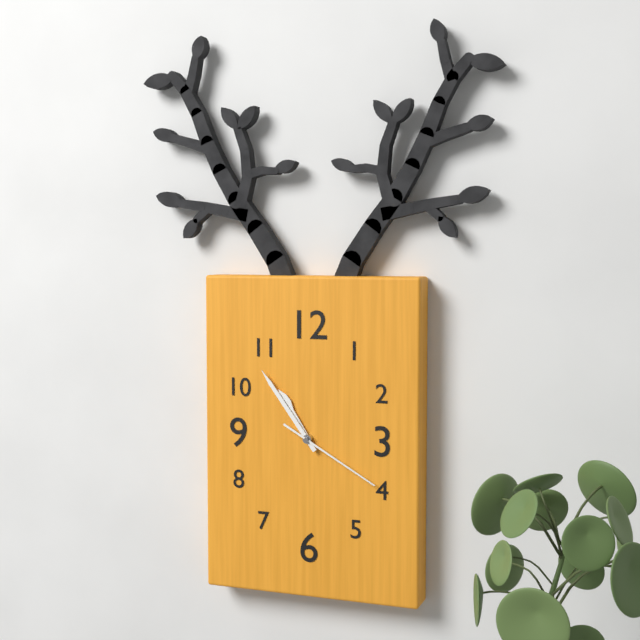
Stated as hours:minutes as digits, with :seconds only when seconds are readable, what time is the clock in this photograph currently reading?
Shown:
10:54:20
